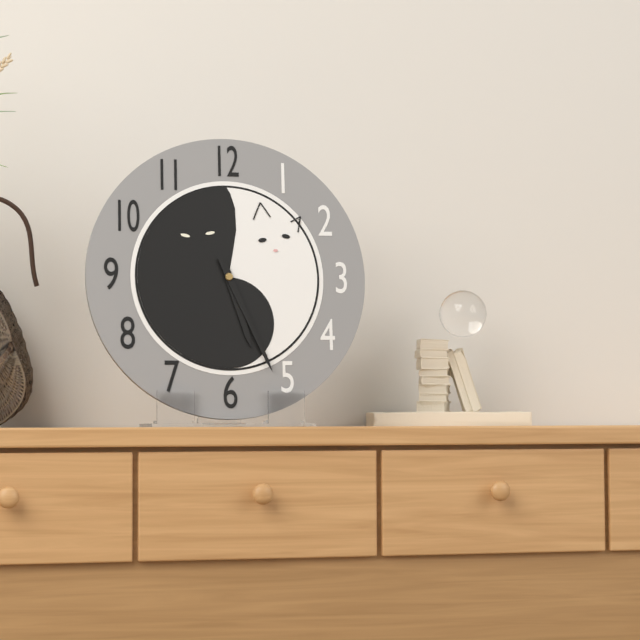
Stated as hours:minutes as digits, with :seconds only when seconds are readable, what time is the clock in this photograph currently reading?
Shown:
5:26
